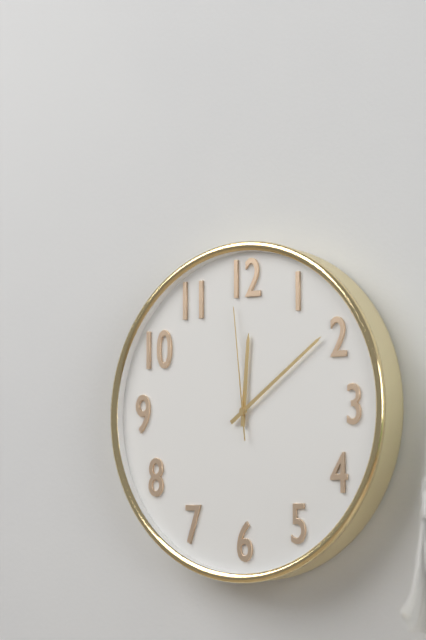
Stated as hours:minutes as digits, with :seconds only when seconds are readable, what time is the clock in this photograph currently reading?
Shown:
12:09:59
